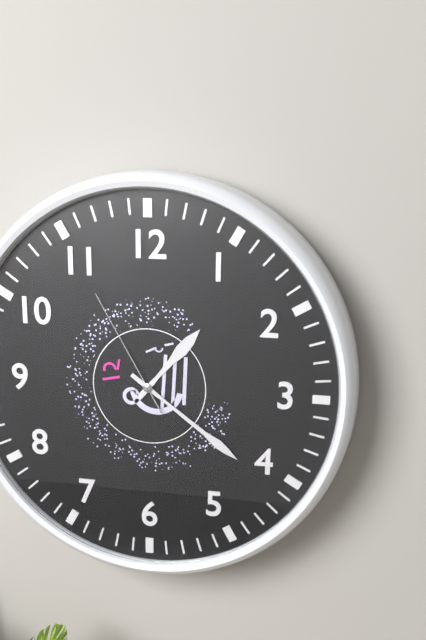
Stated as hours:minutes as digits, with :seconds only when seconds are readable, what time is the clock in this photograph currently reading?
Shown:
1:21:55
